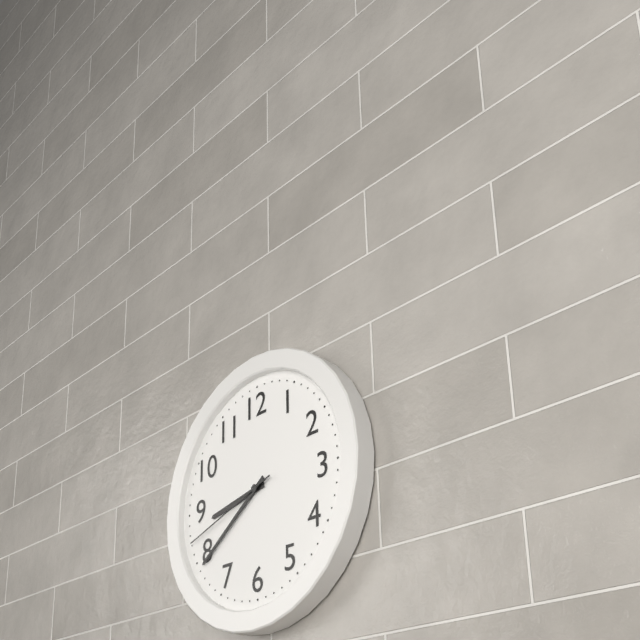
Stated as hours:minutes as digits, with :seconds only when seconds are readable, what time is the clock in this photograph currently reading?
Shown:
8:39:42
